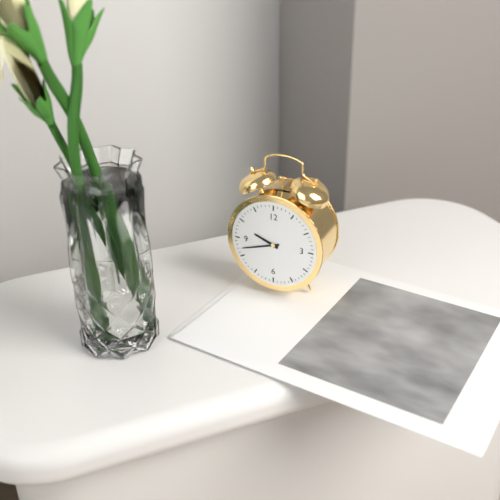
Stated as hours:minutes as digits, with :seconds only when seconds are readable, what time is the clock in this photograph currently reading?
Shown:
9:42
